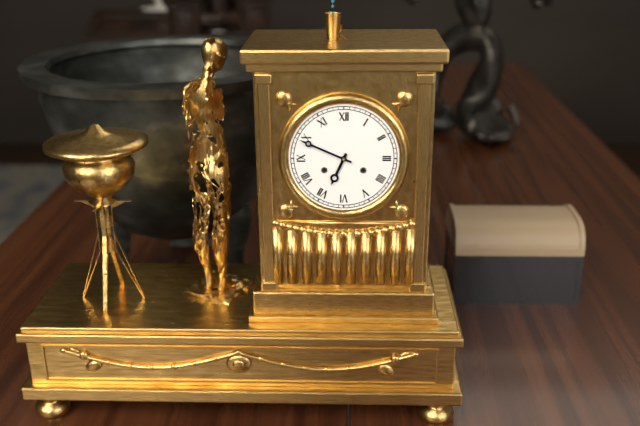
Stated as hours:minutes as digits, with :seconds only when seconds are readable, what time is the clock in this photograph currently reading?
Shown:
6:49
